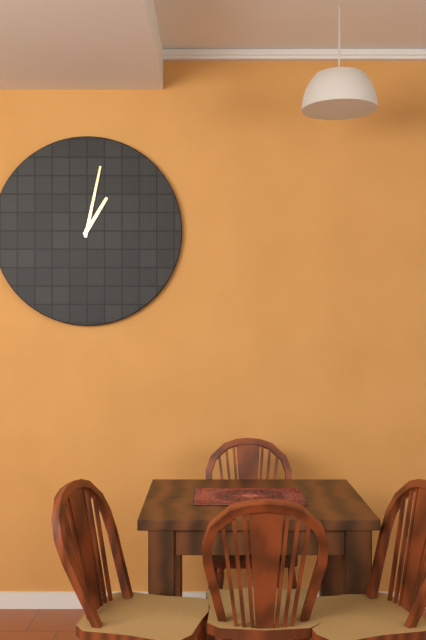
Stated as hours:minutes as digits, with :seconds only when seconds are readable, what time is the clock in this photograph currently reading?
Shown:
1:02
